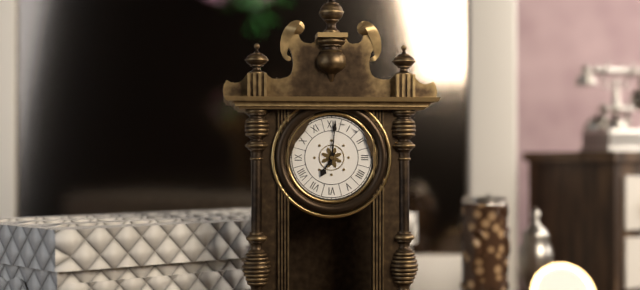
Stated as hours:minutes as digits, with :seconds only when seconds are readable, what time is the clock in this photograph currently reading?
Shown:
7:01
